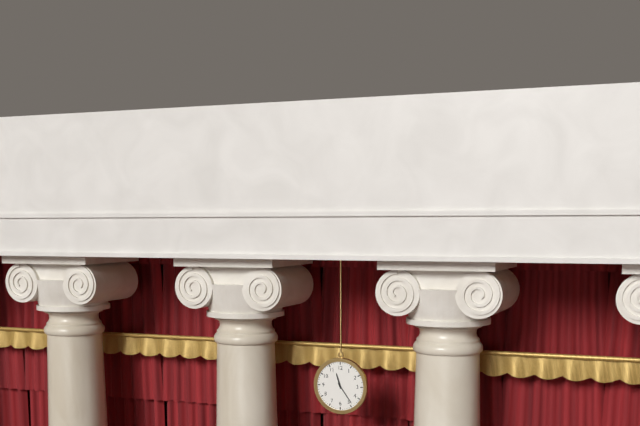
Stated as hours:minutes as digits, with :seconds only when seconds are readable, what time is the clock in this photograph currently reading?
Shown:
11:24
